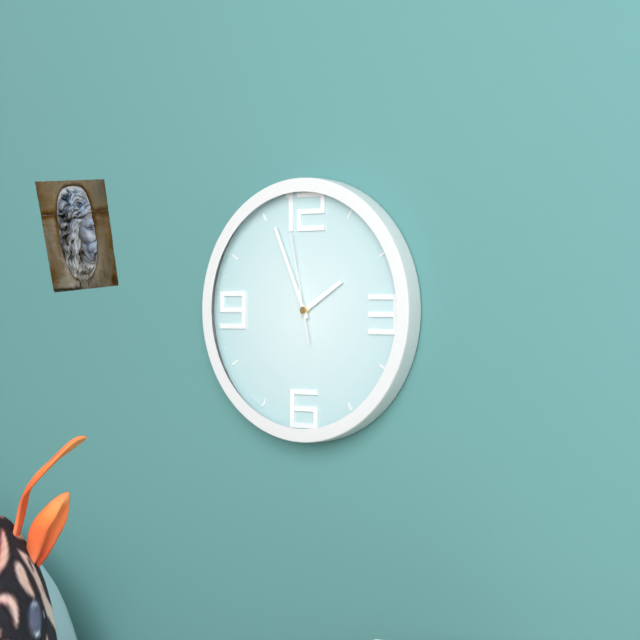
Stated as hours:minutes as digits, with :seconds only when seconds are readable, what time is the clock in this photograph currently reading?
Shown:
1:56:58
